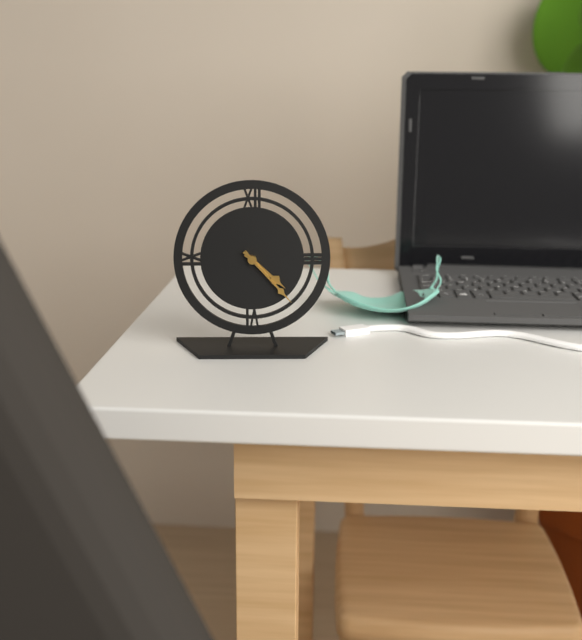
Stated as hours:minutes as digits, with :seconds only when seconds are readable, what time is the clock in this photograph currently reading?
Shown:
4:23
